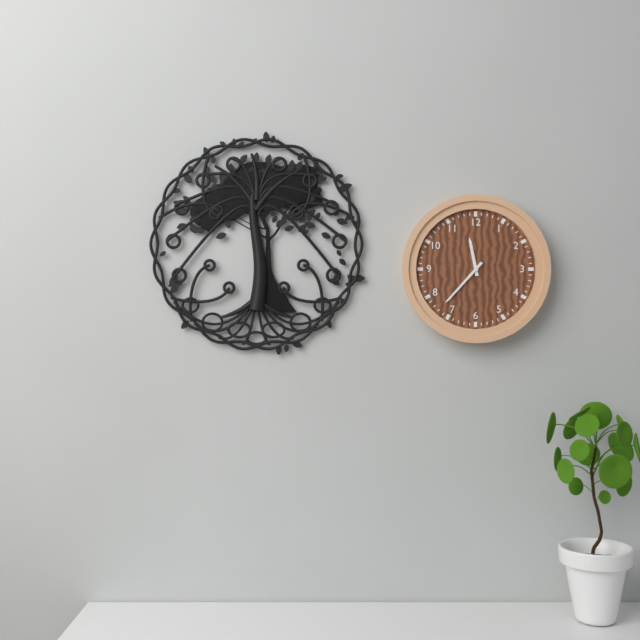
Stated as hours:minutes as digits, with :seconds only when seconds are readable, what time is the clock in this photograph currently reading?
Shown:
11:37
